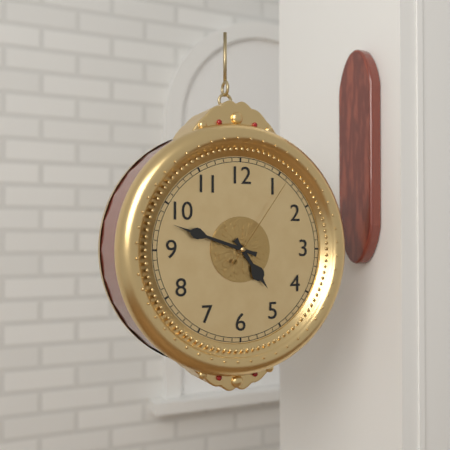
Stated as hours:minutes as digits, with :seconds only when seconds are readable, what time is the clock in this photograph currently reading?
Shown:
4:48:06
